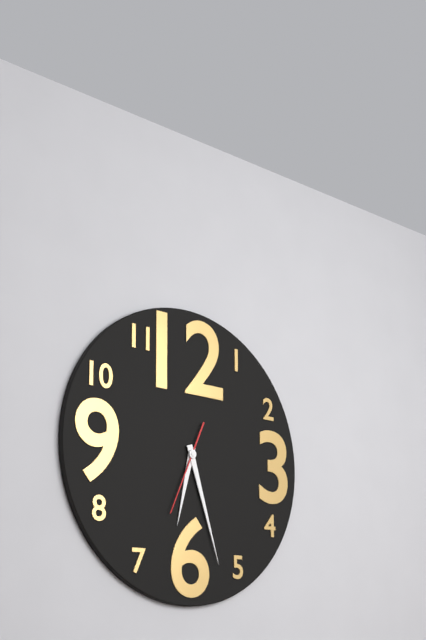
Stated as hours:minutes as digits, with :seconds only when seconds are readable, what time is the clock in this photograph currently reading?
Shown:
6:27:34
